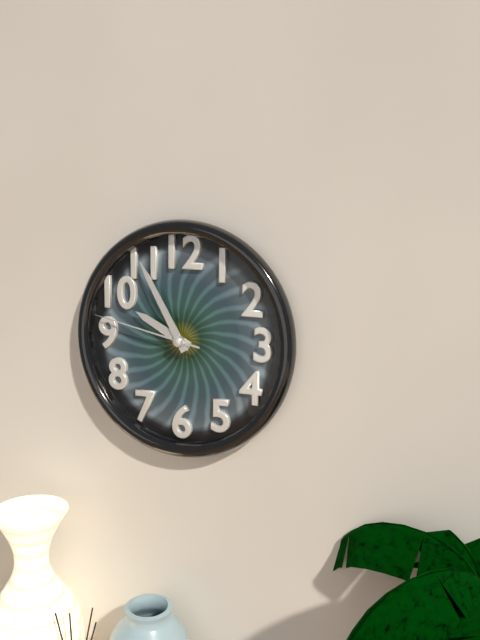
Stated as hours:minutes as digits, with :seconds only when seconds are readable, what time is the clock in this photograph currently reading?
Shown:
9:55:47
